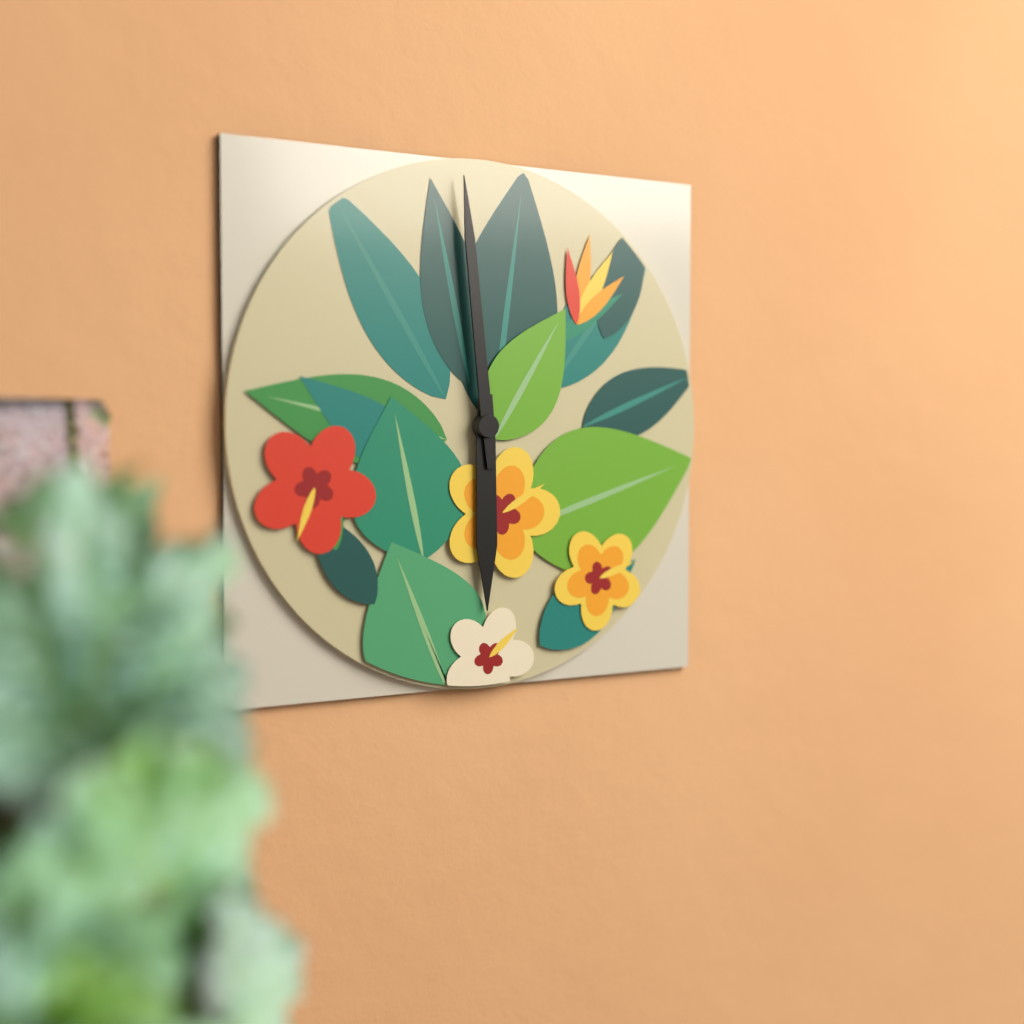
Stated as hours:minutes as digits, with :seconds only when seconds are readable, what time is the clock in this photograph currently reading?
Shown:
5:59
